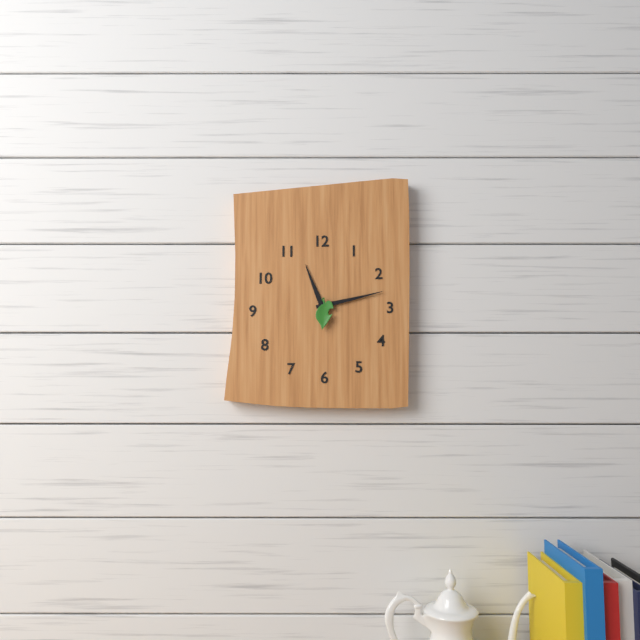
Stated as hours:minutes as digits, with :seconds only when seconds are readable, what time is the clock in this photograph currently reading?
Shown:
11:13
